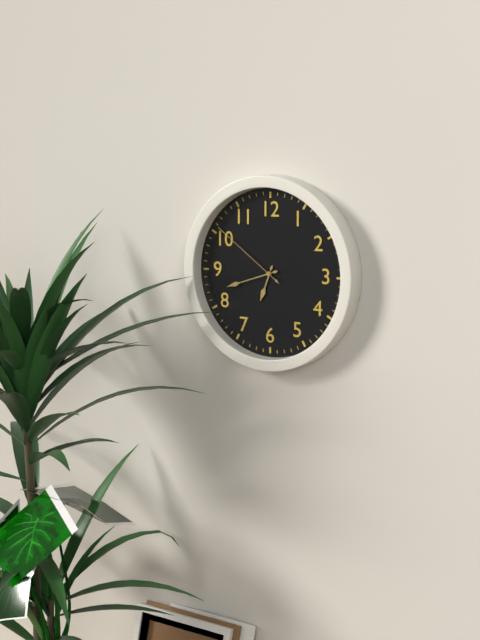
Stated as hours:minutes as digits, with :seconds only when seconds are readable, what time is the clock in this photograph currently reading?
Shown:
6:42:51
